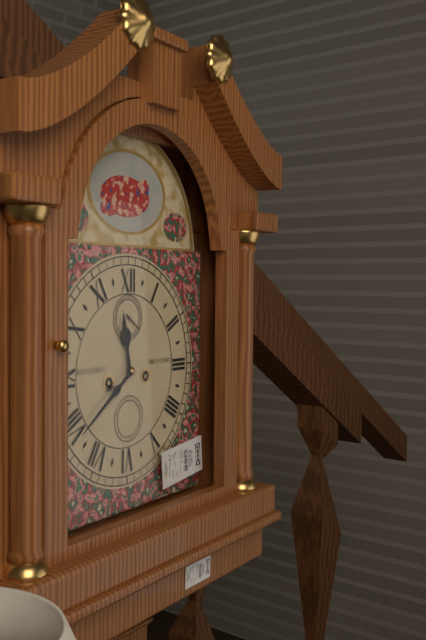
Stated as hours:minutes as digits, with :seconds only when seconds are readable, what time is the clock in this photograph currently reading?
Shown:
11:39
